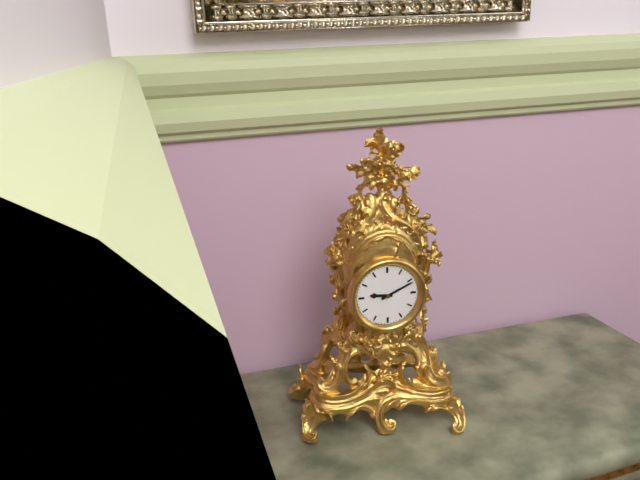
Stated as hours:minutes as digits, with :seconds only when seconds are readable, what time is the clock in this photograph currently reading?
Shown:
9:11
